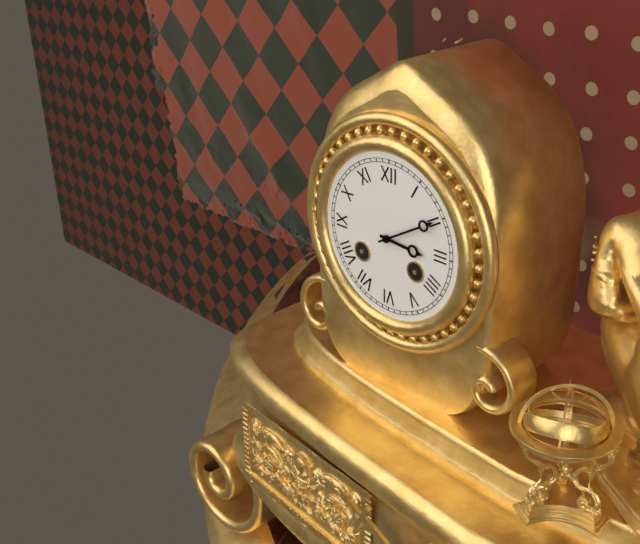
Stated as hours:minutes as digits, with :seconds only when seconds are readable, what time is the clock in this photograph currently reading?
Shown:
3:10
